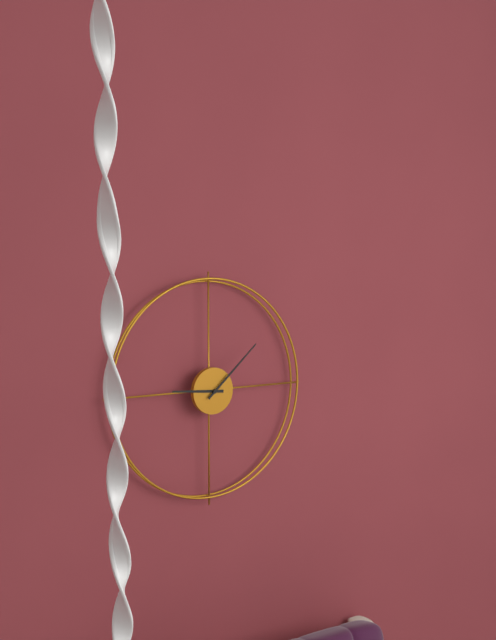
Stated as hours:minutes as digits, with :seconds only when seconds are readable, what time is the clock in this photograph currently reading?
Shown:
9:08
